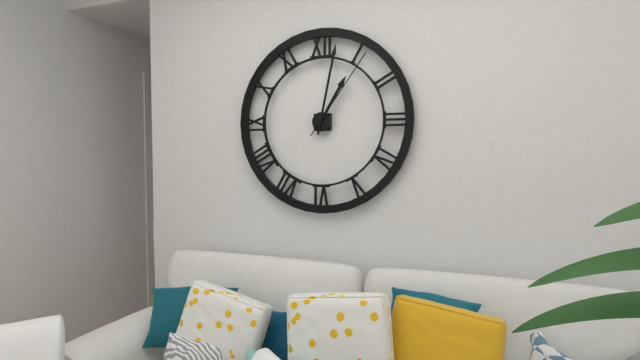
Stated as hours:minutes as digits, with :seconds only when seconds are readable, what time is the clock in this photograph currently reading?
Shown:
1:02:06
